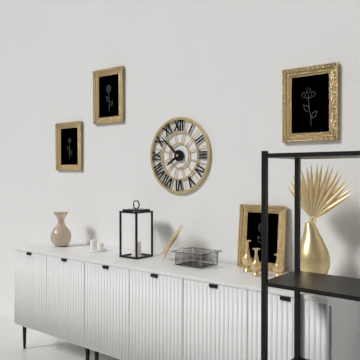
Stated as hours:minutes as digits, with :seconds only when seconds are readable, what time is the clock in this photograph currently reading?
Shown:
7:52
